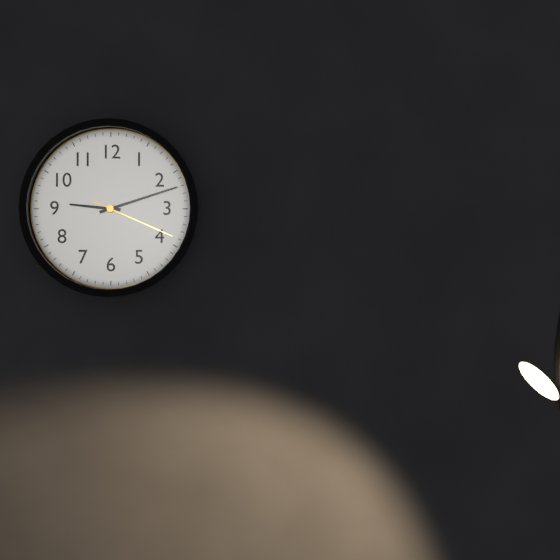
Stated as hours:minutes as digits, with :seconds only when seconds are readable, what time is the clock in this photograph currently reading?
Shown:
9:12:19
